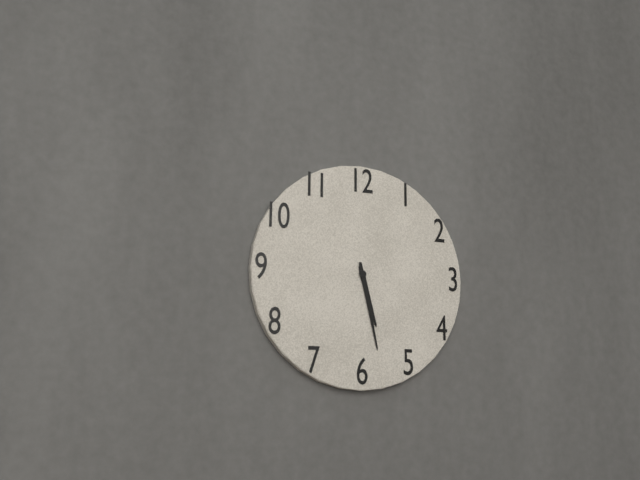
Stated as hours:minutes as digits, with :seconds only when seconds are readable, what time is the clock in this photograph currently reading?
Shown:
5:28
